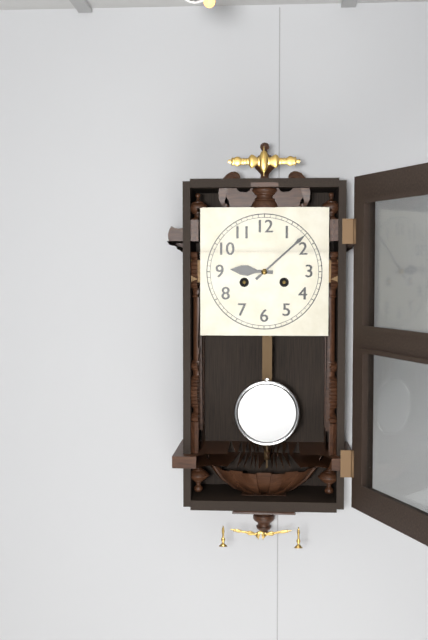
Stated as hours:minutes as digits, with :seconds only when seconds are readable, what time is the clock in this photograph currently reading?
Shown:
9:08
